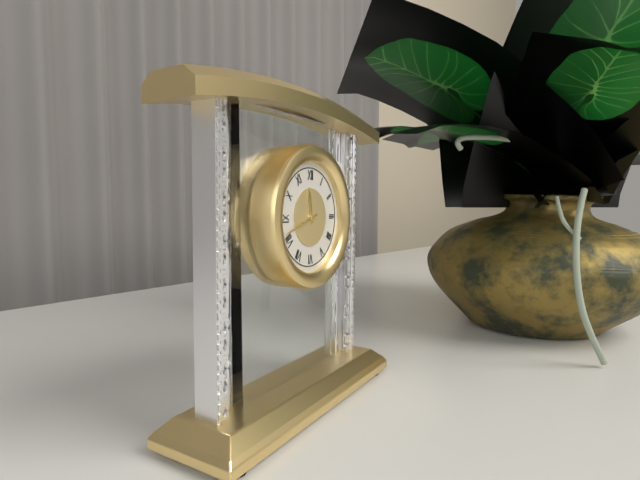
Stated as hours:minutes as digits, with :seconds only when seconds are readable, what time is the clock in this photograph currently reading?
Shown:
11:42
